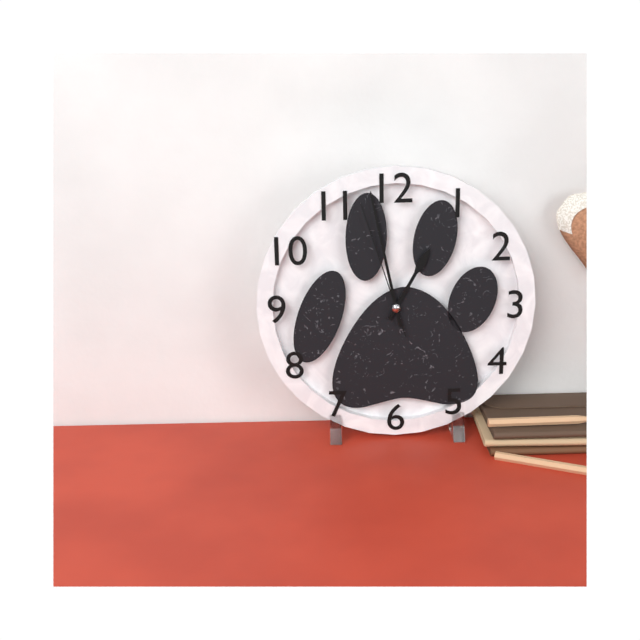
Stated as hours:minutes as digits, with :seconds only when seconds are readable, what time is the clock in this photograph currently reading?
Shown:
12:58:57
